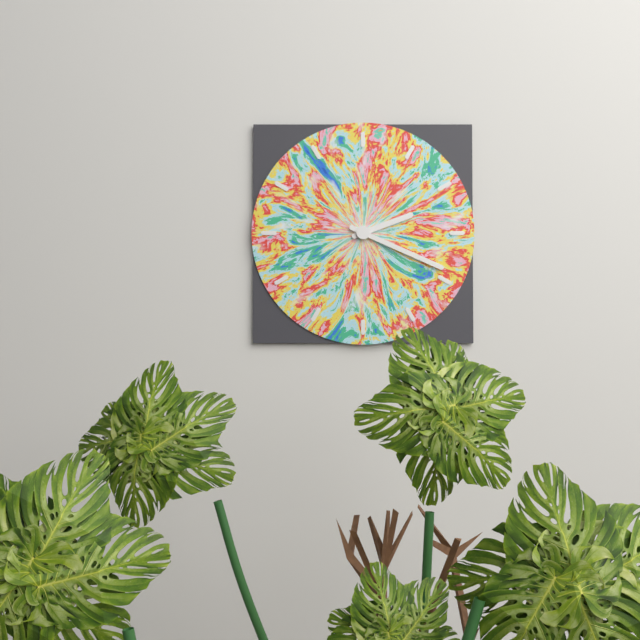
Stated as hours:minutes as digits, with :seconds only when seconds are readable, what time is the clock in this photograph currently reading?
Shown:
2:19
